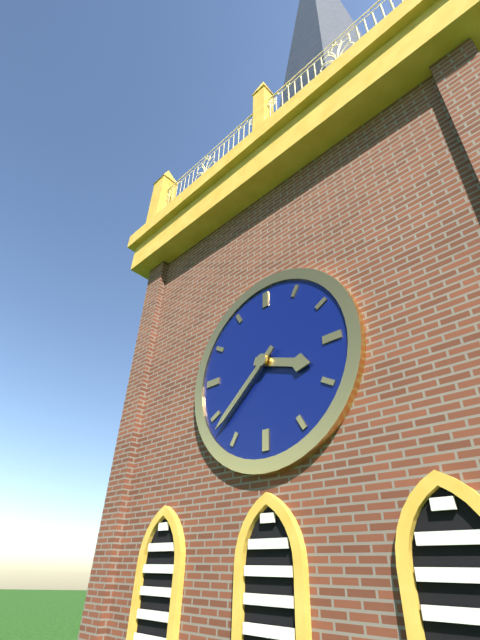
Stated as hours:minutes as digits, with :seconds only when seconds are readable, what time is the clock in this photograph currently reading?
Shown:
3:38
